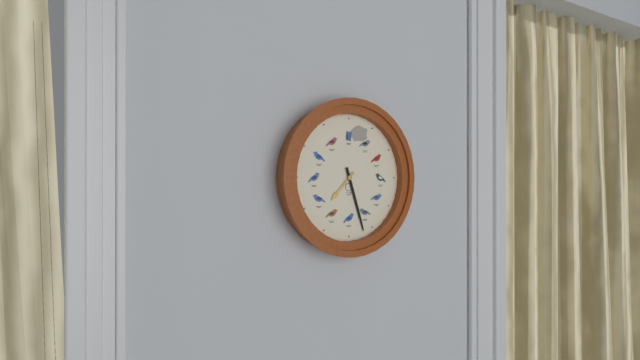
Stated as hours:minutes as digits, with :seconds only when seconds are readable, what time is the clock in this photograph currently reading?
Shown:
7:27
